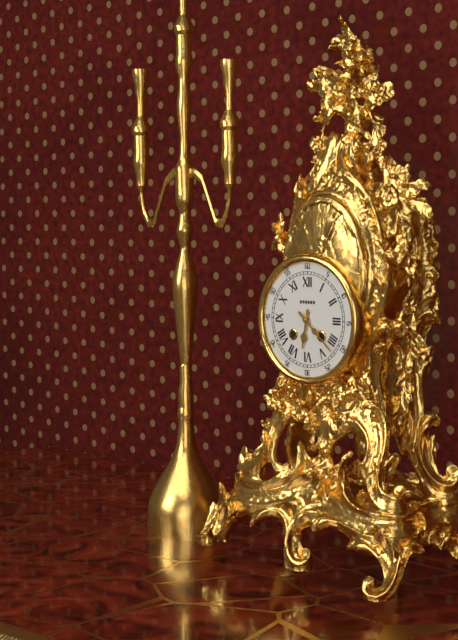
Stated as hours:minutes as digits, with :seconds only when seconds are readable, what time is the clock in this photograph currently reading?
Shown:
6:22
